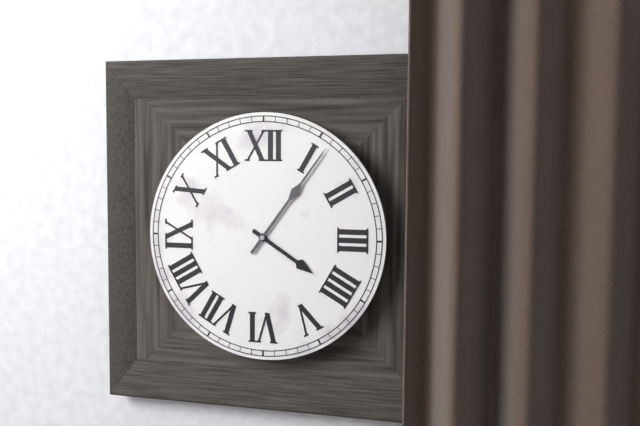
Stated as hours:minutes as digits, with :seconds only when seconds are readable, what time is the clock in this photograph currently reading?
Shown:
4:06
